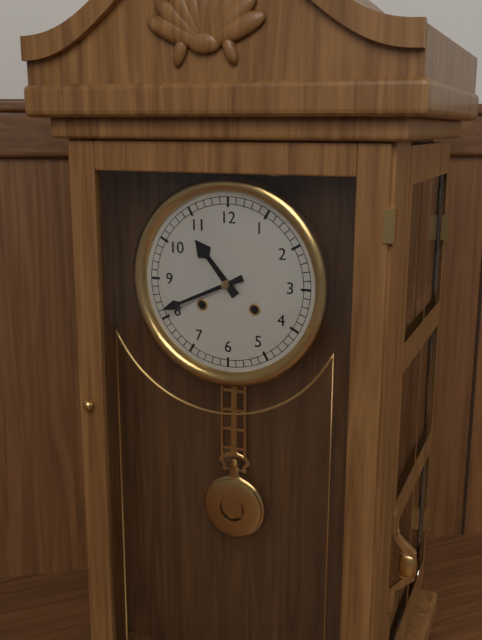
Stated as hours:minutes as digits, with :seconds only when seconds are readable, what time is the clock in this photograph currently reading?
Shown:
10:41
